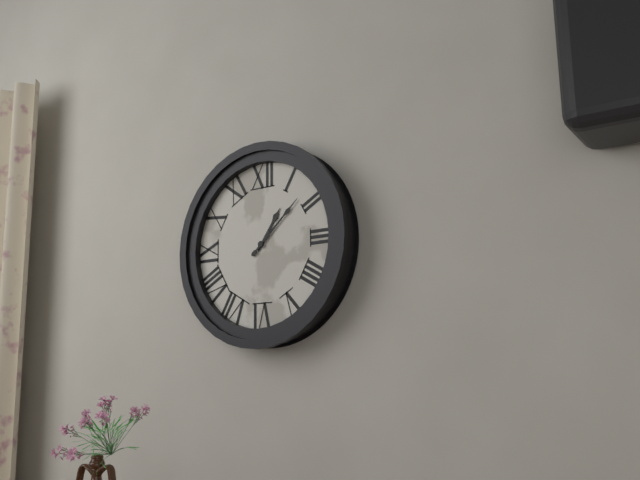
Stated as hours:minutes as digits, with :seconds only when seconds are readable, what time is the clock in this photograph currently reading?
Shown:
1:08
